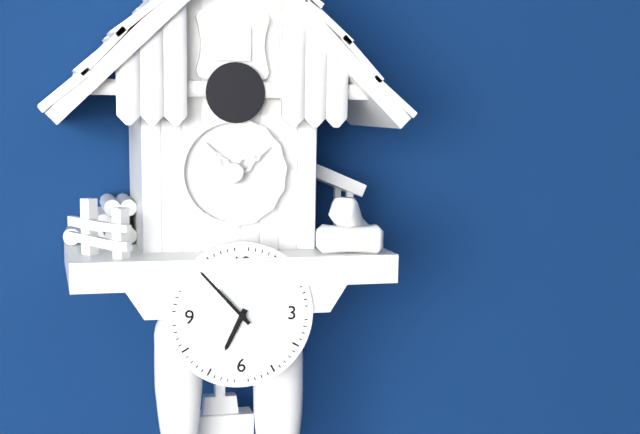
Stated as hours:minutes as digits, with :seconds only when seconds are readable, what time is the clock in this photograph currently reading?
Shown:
6:53
